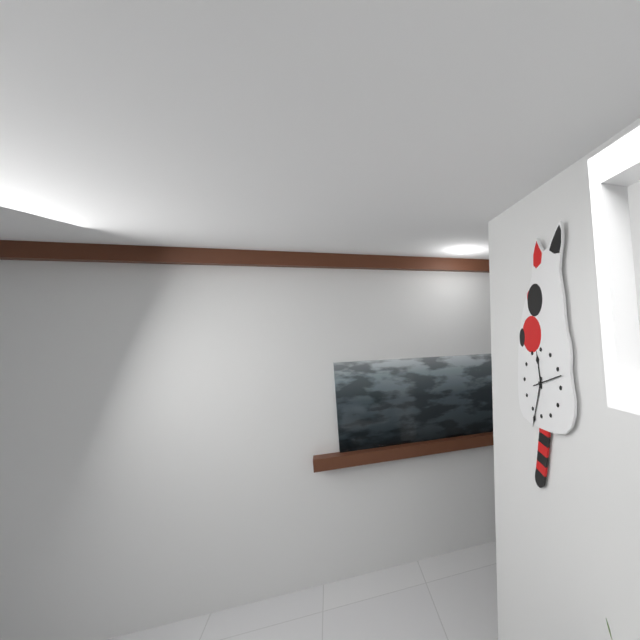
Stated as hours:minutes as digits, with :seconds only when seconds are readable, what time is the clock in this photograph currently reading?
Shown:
11:33
